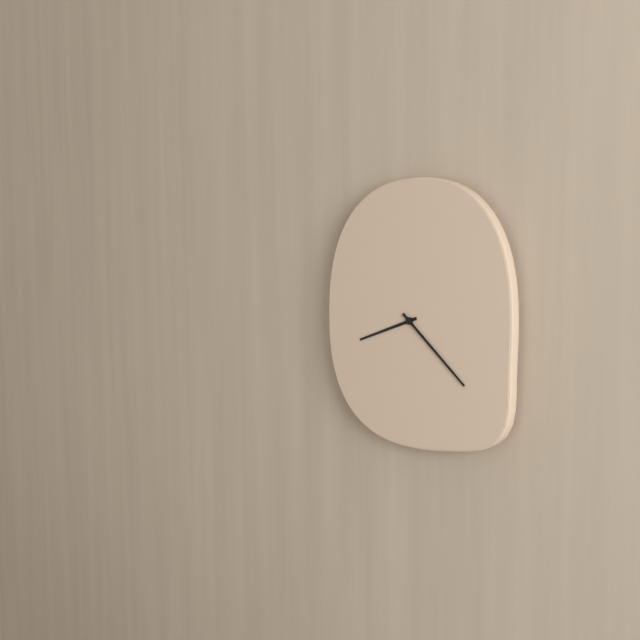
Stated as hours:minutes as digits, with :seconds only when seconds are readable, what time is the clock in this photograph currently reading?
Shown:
8:22
